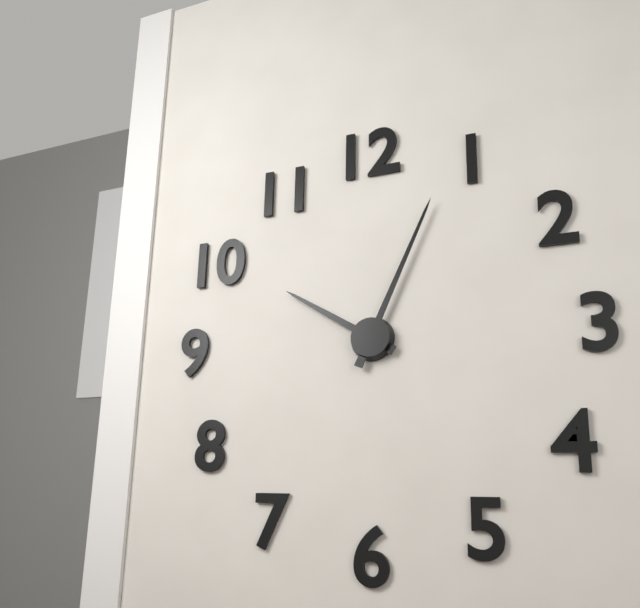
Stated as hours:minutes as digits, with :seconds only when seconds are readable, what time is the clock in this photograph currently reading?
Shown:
10:04
